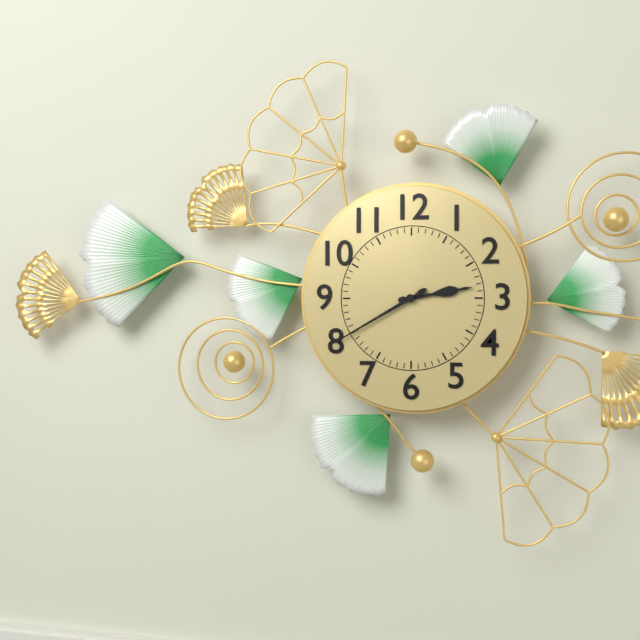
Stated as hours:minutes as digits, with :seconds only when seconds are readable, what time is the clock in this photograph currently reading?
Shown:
2:40
